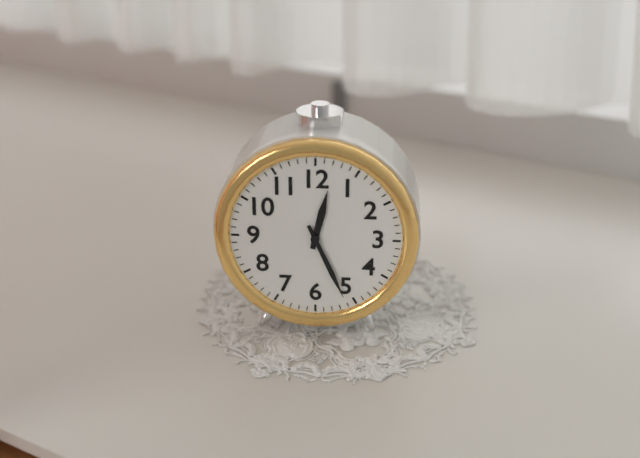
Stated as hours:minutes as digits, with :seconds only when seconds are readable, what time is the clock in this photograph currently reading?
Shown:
12:26
